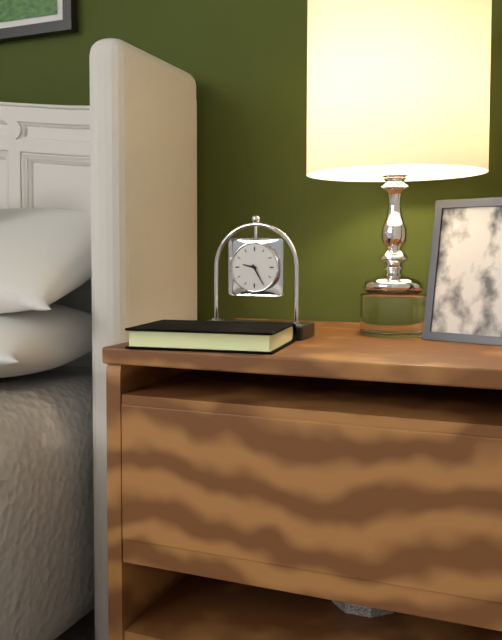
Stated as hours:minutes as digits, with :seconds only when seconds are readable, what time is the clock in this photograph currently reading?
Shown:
9:25
